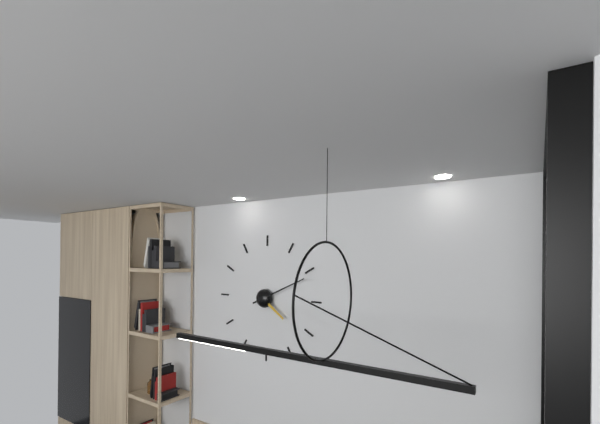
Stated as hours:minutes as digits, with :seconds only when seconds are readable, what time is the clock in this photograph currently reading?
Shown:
4:11
